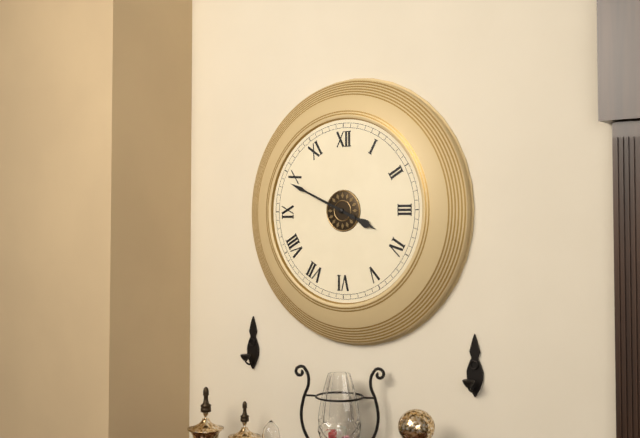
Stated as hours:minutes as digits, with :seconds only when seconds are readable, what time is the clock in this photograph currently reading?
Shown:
3:49
